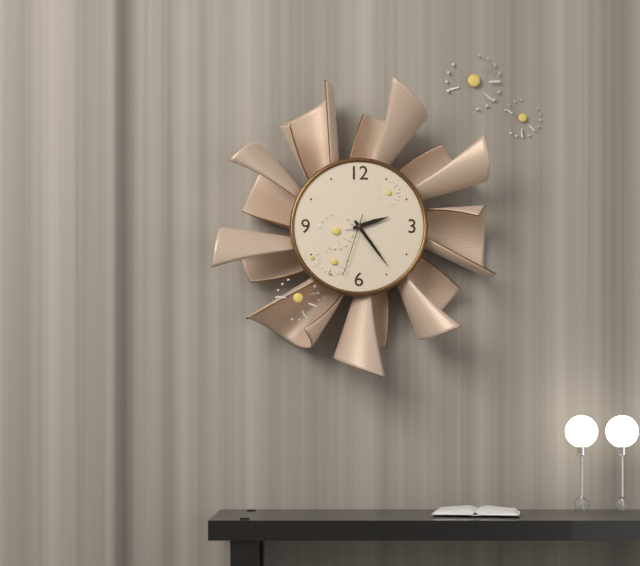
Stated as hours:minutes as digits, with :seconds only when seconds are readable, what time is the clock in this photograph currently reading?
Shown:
2:24:33
